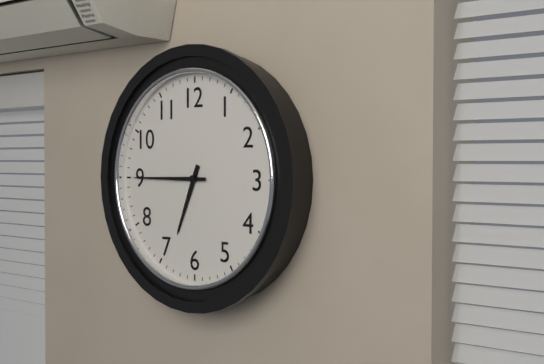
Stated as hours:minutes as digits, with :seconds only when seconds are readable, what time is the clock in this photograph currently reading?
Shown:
6:45
